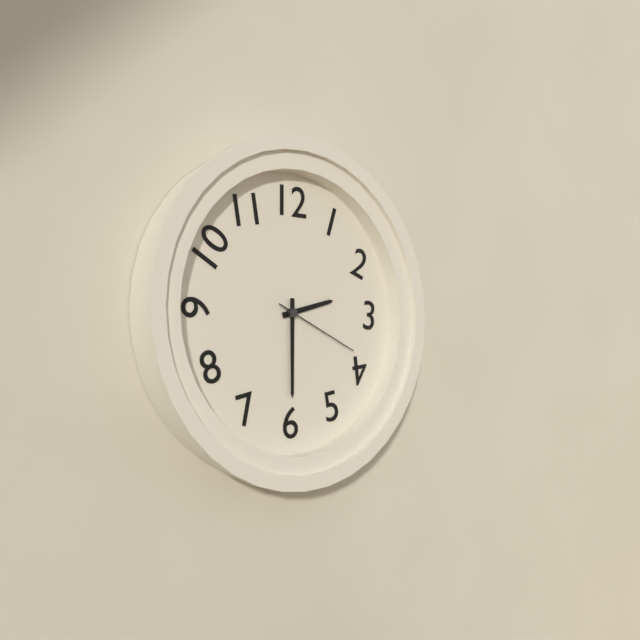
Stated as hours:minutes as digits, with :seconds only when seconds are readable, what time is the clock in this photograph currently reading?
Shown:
2:30:19
